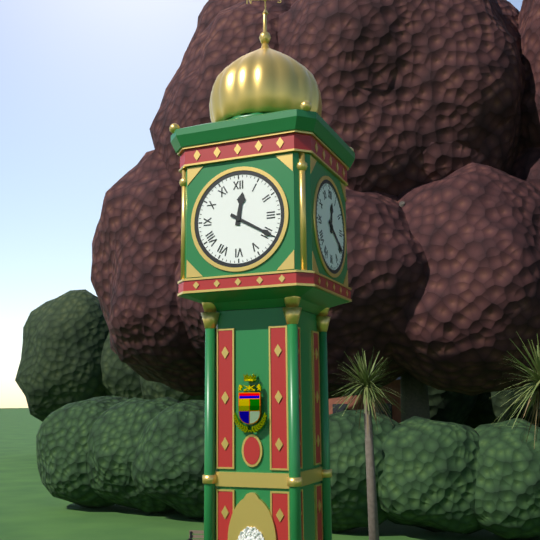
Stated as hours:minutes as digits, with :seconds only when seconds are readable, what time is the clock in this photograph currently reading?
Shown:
12:20
